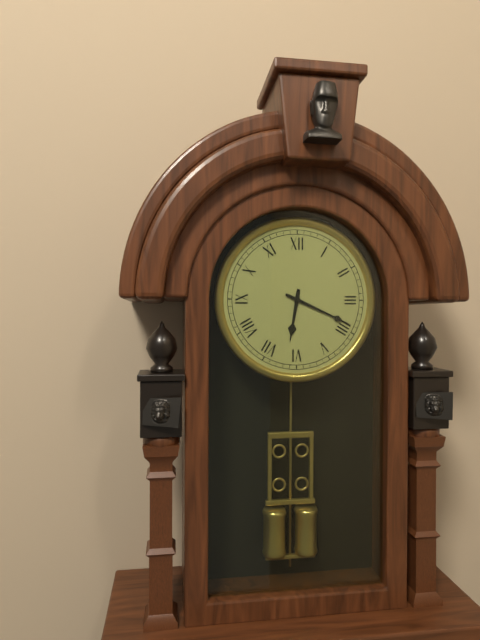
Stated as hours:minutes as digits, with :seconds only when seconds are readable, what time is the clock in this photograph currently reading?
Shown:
6:19
